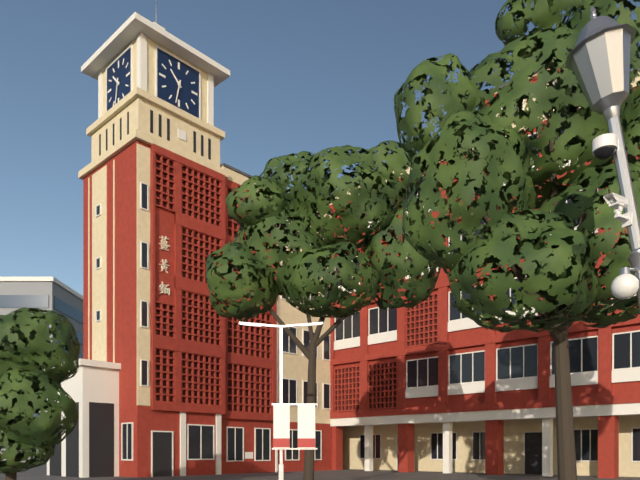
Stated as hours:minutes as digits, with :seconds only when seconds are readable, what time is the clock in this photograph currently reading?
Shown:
10:32
